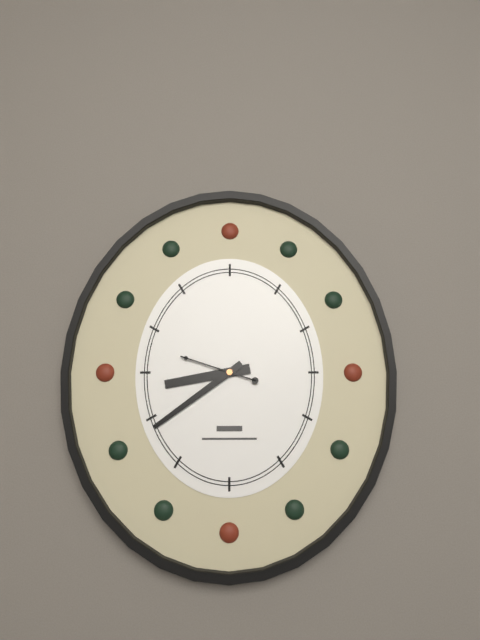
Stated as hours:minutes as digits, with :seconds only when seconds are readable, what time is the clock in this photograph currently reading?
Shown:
8:39:48
